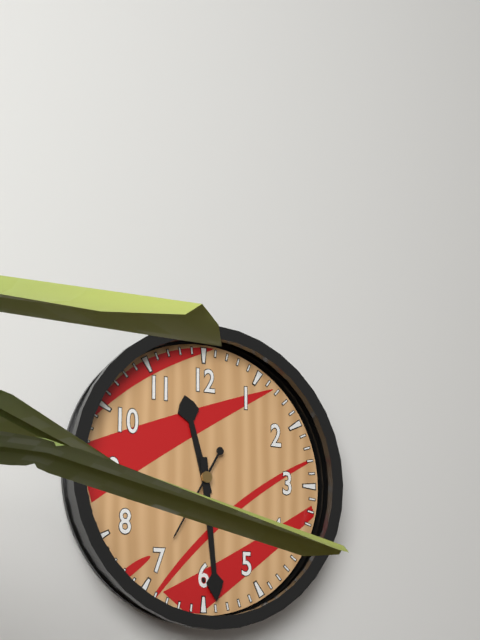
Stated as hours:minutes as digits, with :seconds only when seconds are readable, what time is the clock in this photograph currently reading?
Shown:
11:29:35
